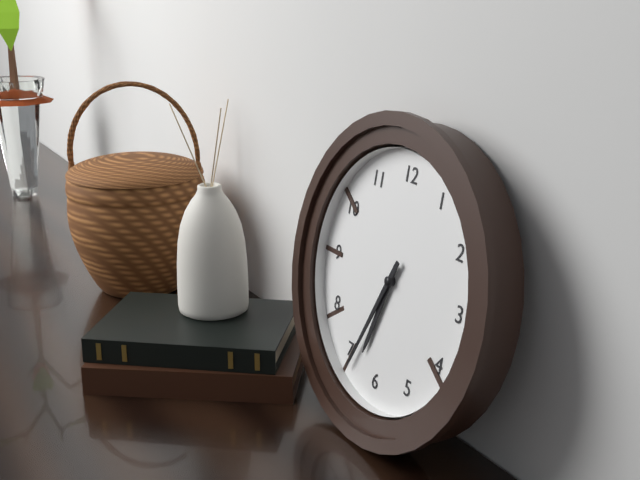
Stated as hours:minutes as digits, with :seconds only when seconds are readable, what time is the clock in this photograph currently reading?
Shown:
6:34
